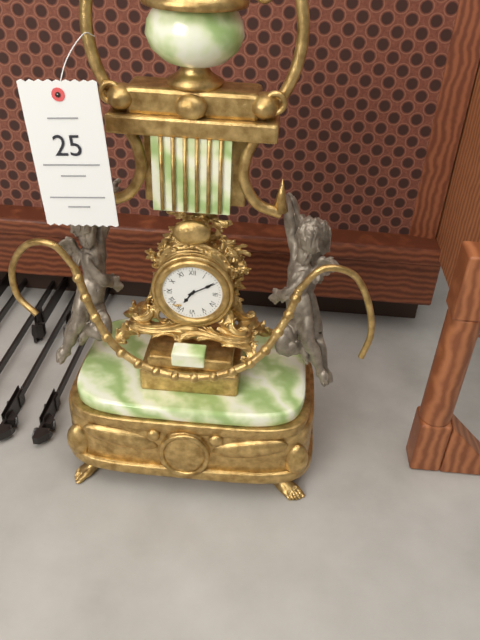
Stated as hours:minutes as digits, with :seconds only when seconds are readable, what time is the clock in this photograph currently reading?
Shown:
7:10
